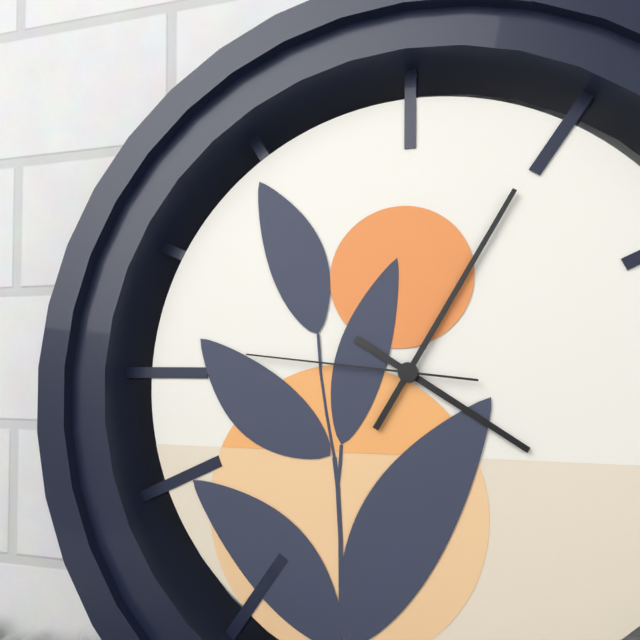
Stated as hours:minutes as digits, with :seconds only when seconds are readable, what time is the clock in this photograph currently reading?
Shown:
4:05:46
